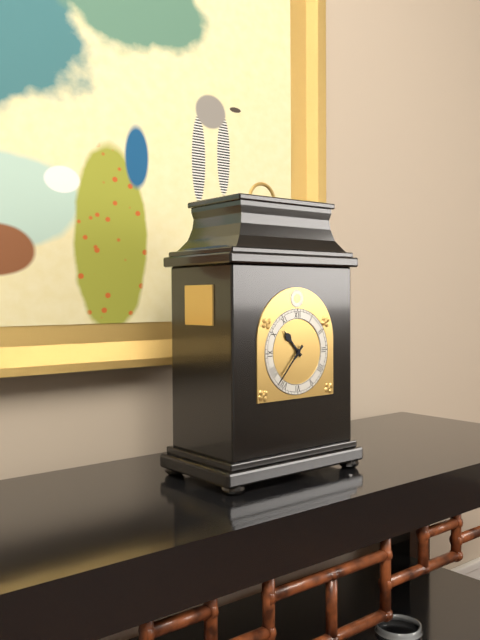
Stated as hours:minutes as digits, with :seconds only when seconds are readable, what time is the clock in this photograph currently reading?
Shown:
10:37
